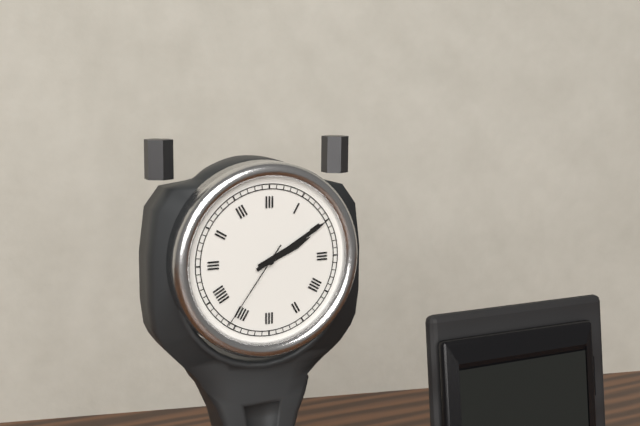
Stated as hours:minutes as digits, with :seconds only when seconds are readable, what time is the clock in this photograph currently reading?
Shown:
2:10:36
